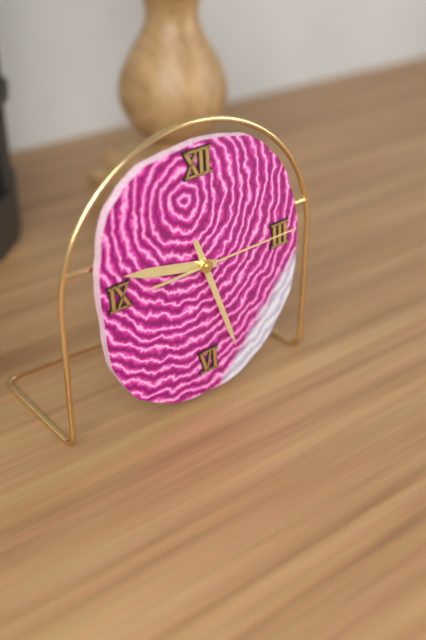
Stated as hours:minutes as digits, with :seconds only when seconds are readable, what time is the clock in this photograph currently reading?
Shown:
9:27:15
